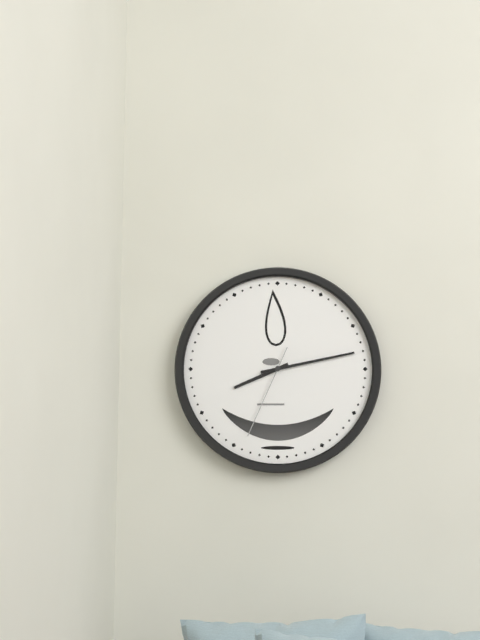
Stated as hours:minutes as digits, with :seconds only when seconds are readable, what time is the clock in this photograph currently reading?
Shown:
8:13:34
